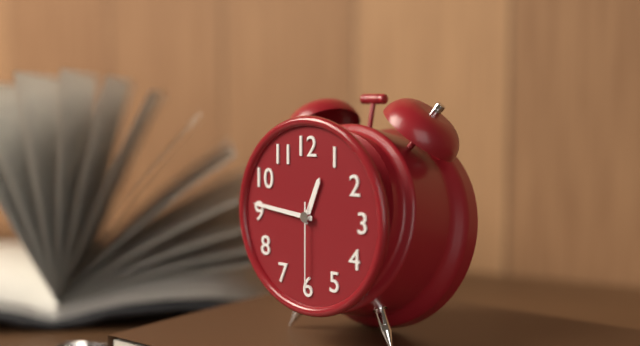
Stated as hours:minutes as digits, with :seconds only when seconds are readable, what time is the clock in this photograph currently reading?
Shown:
12:46:30
